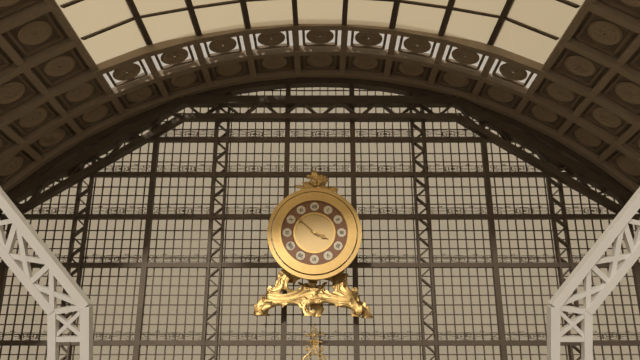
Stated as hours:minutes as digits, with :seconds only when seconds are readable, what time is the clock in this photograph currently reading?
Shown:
3:52
